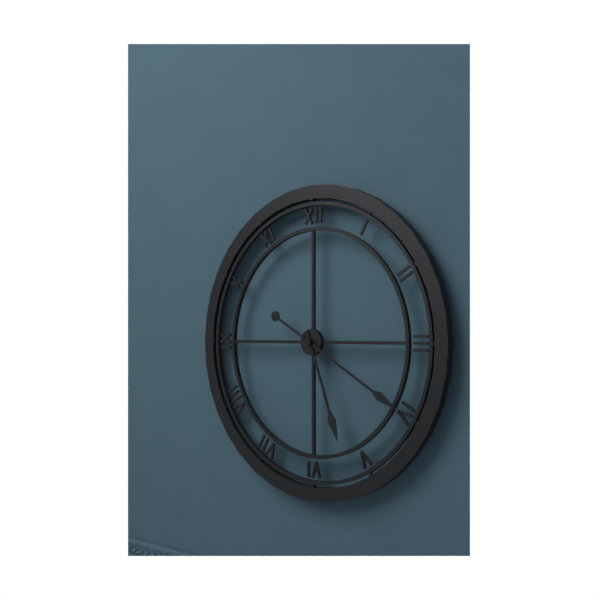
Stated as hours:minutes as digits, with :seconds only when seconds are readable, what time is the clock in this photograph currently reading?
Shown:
5:20
